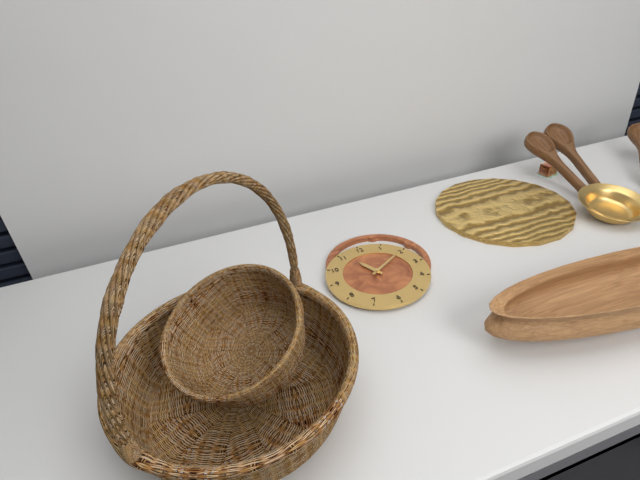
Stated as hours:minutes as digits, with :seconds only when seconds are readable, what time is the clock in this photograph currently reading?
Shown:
11:10
